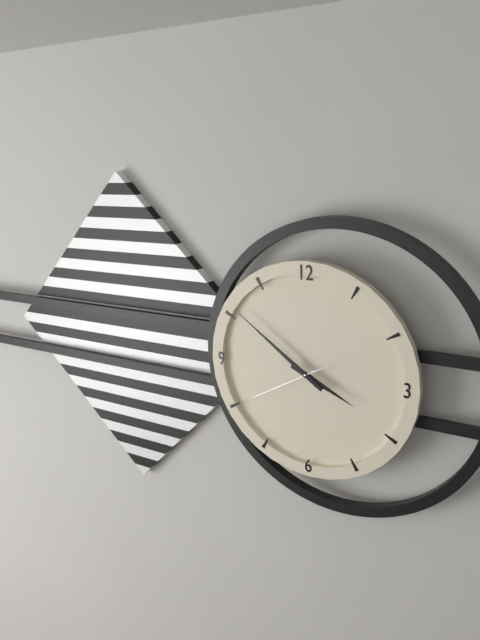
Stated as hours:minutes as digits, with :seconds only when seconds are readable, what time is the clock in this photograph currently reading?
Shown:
3:51:40
